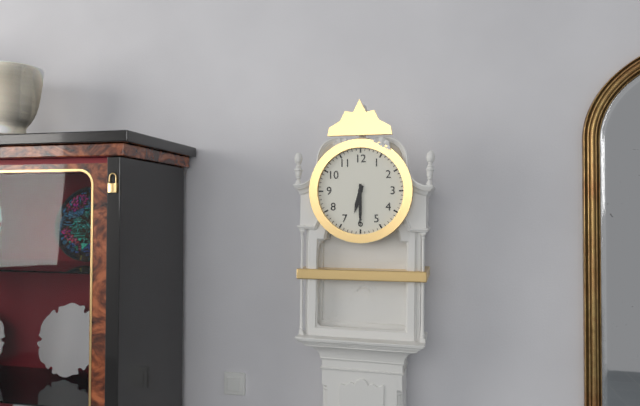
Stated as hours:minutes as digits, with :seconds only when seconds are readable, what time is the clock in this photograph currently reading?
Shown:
6:30
